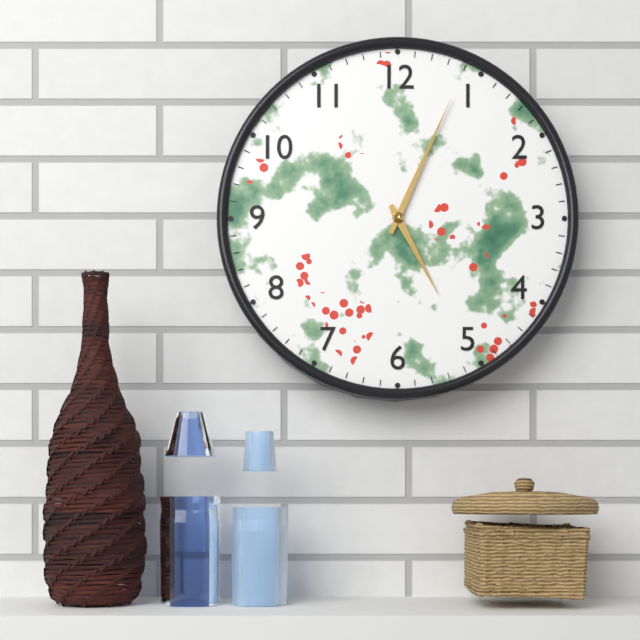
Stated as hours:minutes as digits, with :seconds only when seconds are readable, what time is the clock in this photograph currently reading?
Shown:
5:04
